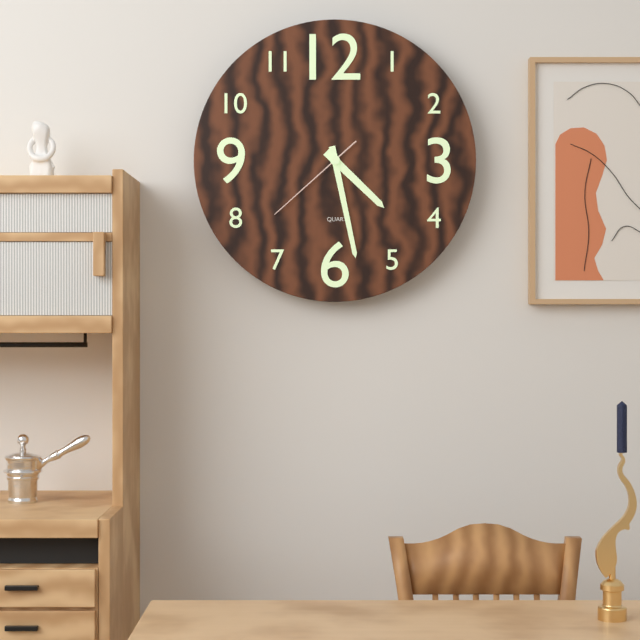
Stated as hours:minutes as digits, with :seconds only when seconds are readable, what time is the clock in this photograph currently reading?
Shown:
4:28:38
